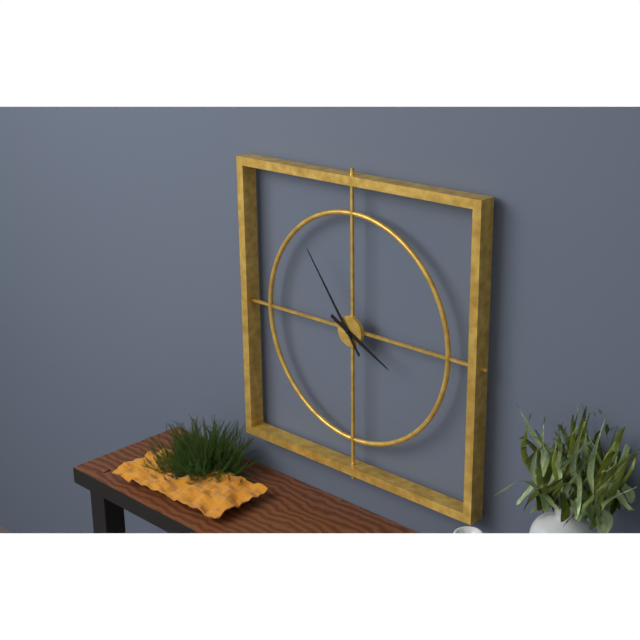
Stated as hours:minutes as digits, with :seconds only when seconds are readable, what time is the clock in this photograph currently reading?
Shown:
3:54
